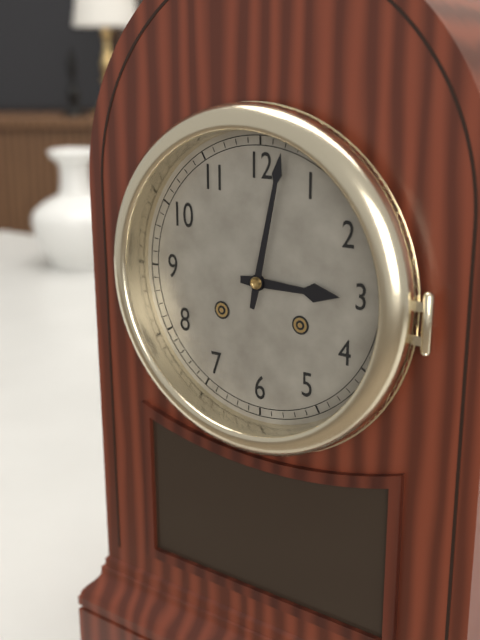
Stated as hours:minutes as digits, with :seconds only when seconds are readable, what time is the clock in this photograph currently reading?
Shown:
3:02
